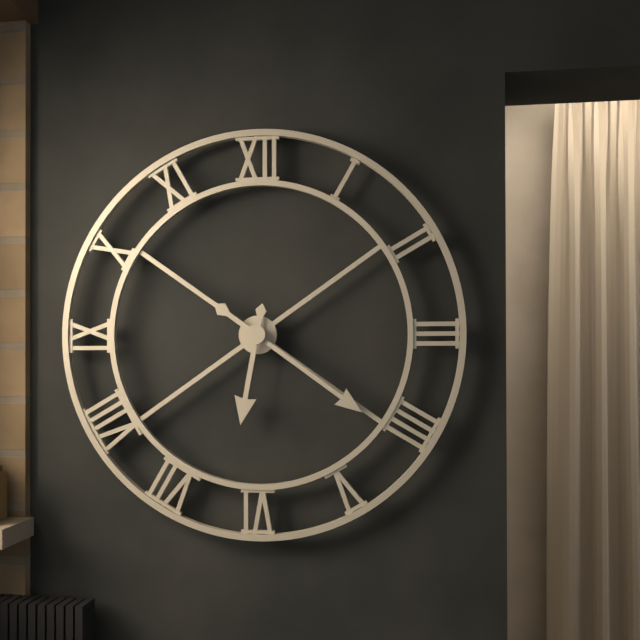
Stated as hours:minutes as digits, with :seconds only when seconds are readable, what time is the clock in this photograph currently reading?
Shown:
6:21
